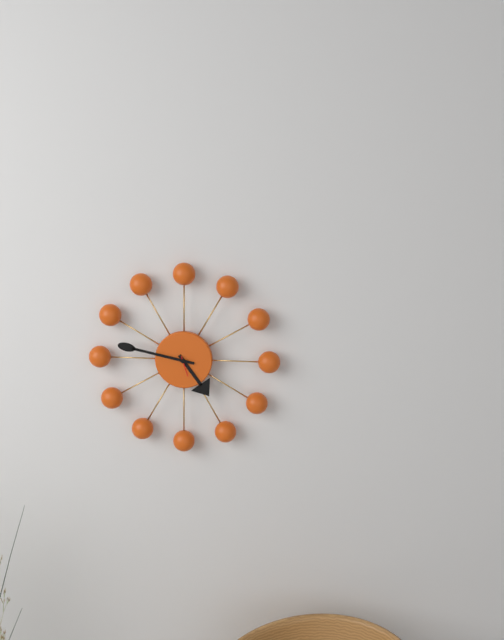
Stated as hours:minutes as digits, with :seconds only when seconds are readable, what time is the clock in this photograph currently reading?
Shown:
4:47
